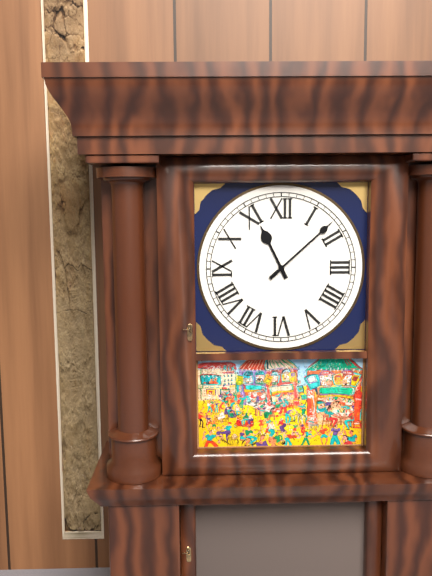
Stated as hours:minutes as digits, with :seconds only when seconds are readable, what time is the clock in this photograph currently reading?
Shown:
11:08
